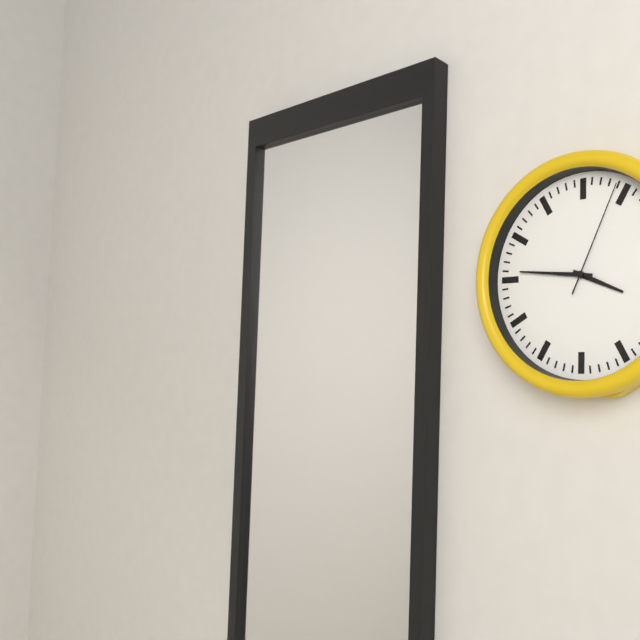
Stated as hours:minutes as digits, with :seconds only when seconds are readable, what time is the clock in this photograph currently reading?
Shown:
3:46:04
